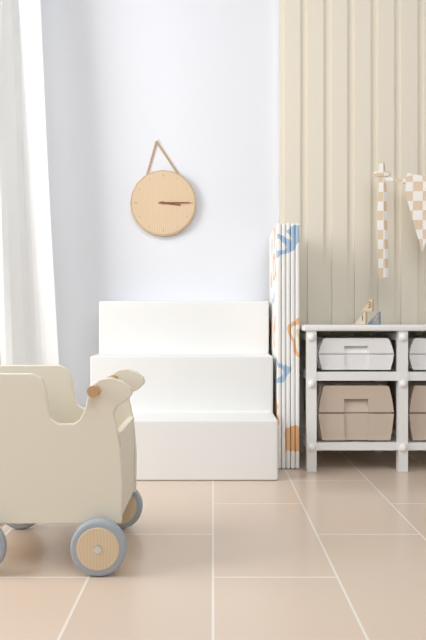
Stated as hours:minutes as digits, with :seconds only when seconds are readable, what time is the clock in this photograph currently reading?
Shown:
3:15
